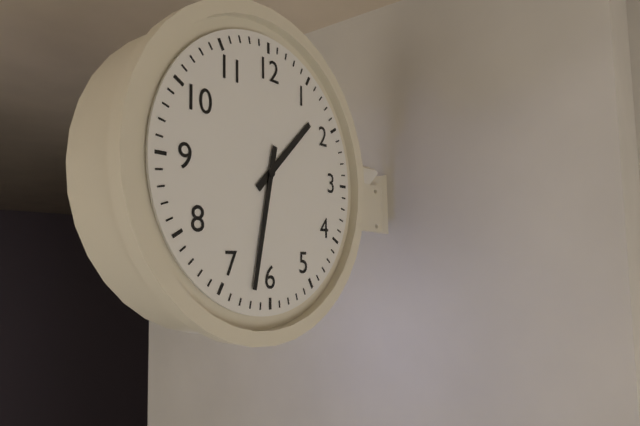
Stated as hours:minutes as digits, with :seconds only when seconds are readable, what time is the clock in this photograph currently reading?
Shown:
1:32
